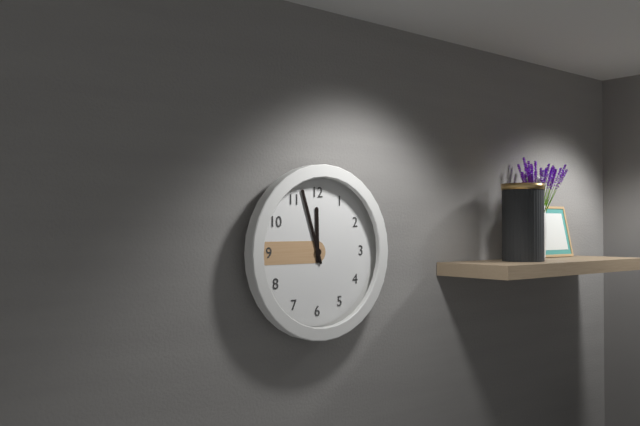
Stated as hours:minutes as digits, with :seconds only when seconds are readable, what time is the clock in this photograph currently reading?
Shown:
11:57
